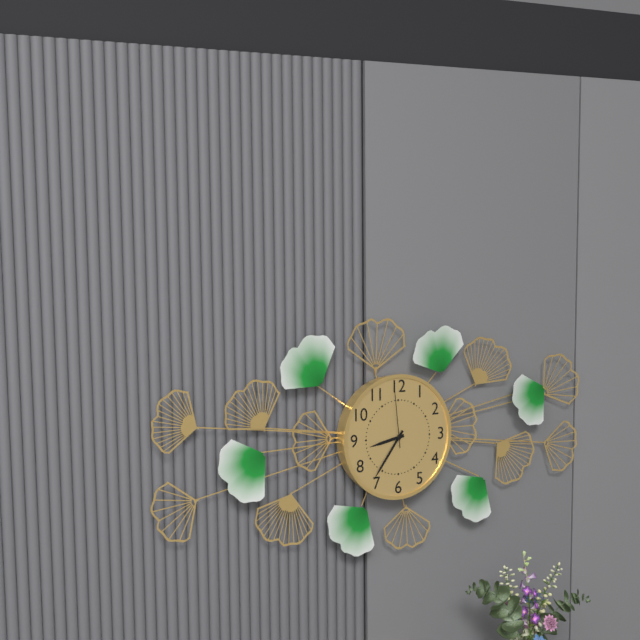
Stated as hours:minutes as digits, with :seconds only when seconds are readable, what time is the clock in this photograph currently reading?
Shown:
8:36:59
